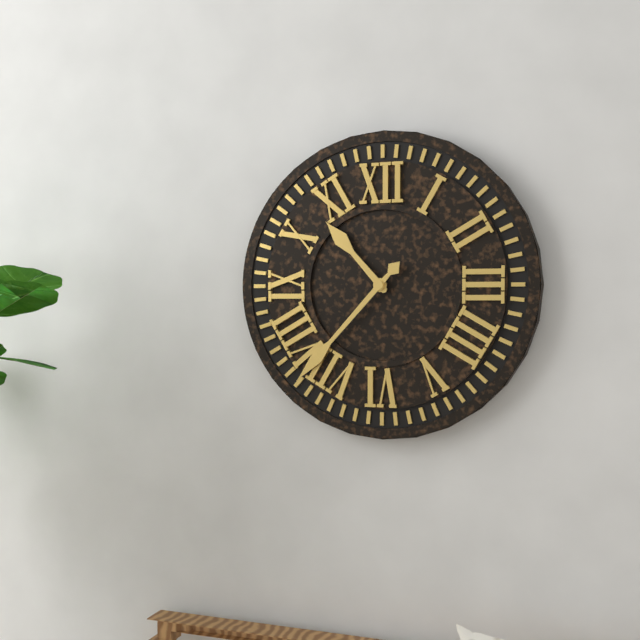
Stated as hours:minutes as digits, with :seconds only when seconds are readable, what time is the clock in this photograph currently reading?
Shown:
10:37
